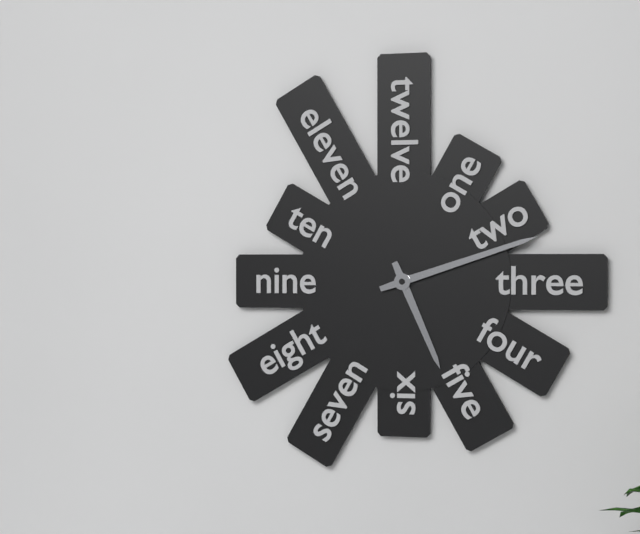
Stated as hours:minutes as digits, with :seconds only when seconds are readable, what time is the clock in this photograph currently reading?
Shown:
5:12
